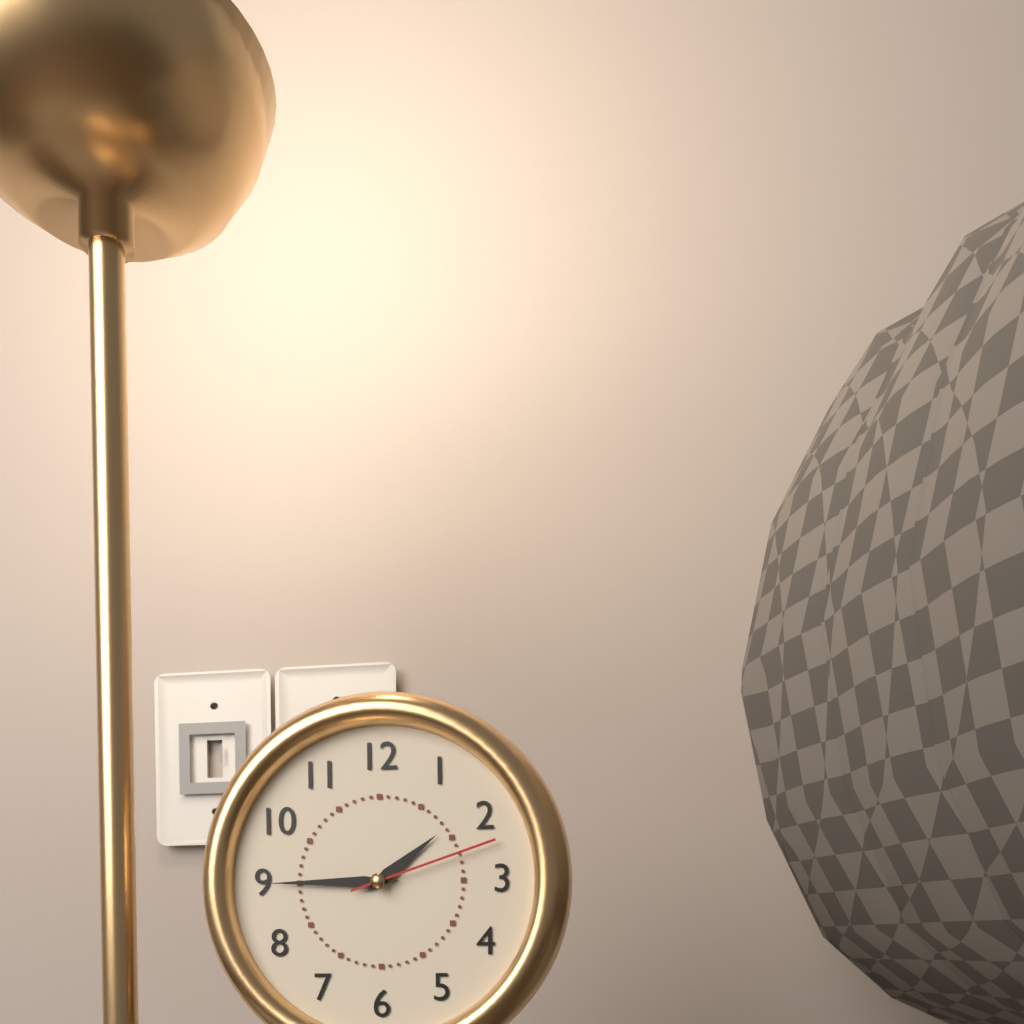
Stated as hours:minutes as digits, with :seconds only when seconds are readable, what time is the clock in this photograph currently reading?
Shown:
1:45:12
